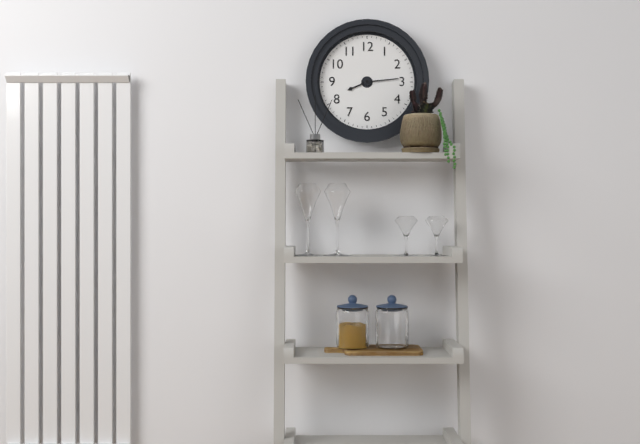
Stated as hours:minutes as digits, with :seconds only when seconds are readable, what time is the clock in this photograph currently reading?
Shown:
8:14
